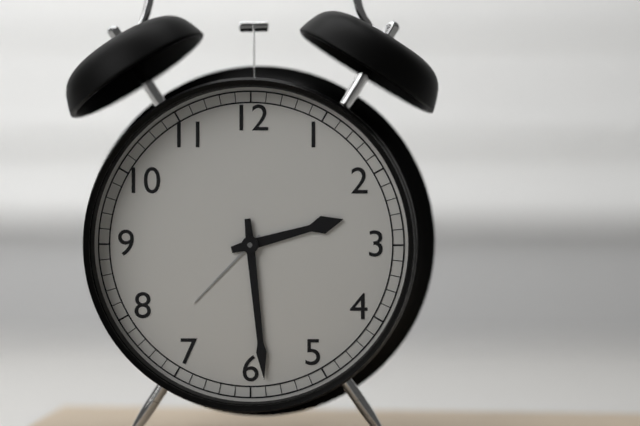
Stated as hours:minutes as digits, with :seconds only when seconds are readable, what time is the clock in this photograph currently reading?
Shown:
2:29
